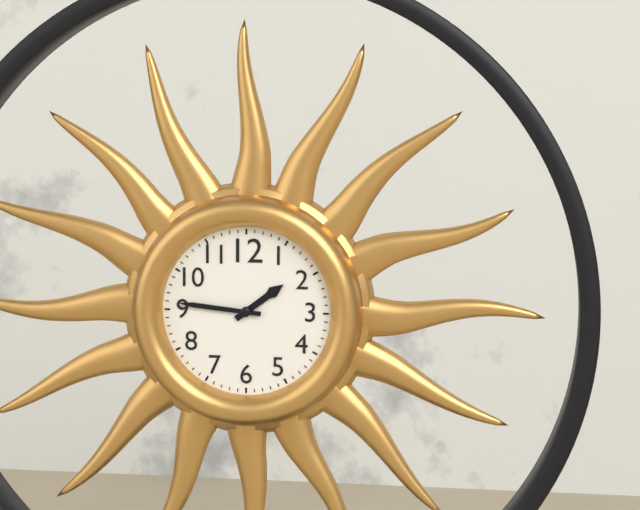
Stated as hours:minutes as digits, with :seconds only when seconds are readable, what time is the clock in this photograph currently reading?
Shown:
1:46
